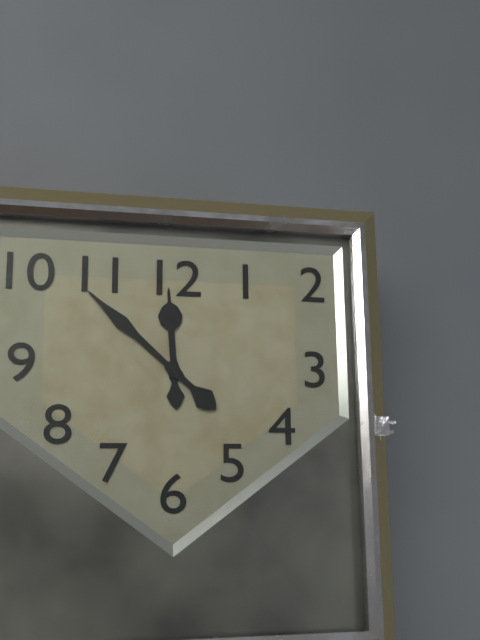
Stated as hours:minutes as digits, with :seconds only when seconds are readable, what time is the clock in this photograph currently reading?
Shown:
11:52
